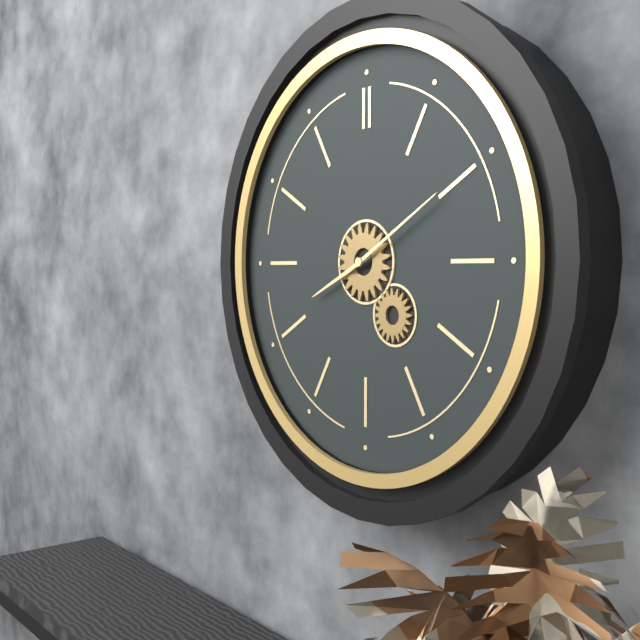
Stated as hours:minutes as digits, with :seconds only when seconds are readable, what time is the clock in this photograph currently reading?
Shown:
8:10
